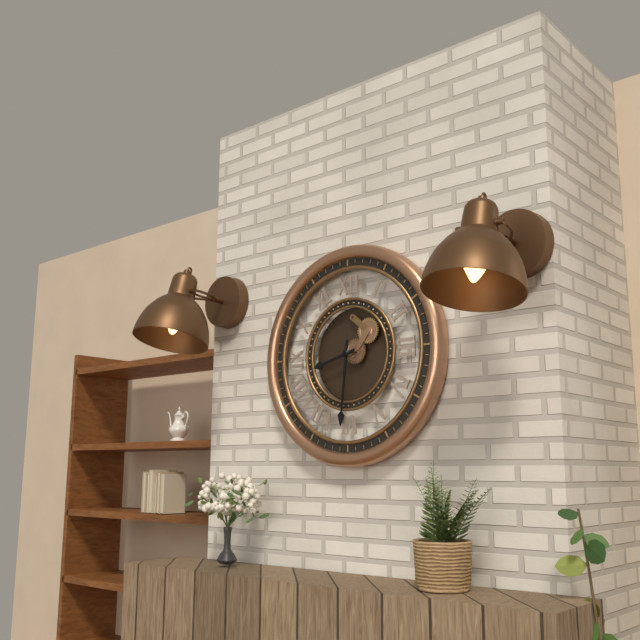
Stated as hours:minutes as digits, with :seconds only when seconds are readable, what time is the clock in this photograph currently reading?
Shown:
8:31
